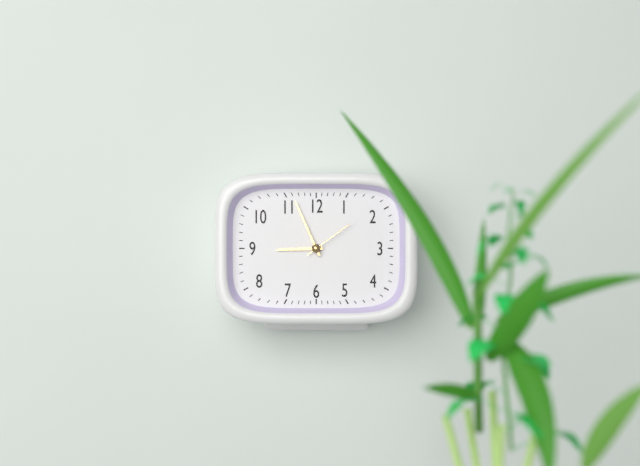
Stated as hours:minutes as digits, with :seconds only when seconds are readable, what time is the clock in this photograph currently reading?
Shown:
8:56:09
